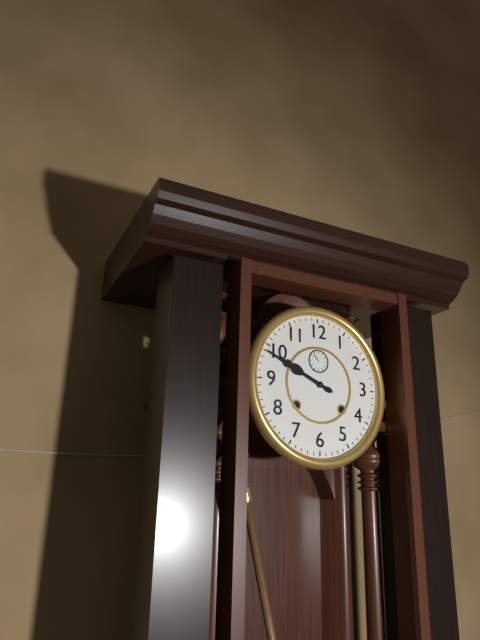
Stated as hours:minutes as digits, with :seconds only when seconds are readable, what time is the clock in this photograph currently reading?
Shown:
9:49
